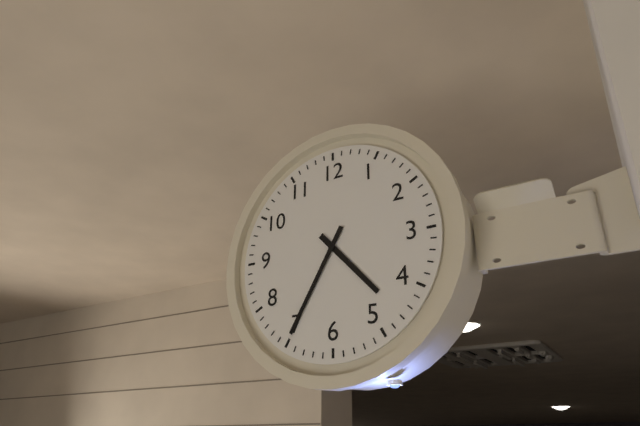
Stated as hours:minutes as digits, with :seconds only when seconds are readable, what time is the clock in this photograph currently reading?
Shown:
4:35
